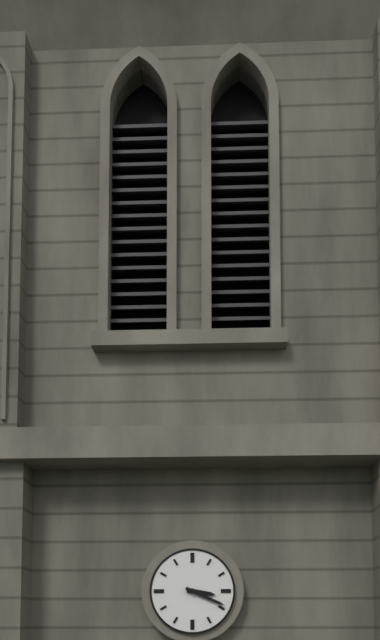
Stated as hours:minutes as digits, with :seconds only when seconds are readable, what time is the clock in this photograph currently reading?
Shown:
3:19
